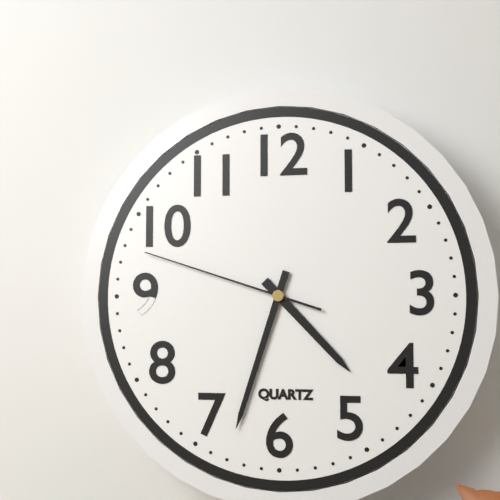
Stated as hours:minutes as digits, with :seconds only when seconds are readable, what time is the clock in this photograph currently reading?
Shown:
4:33:48
